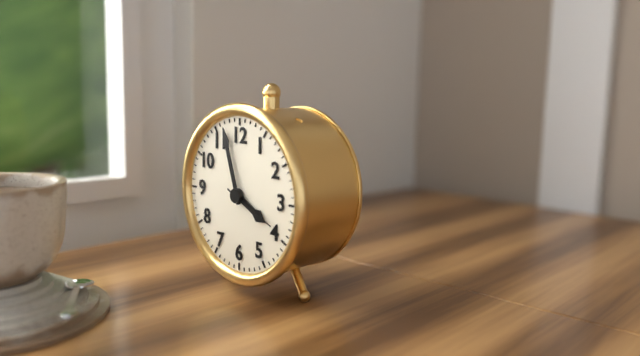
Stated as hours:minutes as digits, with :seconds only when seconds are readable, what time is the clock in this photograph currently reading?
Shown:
3:57:19
